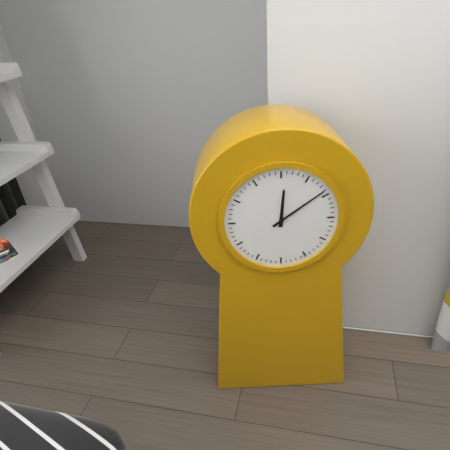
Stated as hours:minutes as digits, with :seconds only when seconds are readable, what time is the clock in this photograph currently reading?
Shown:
12:09
